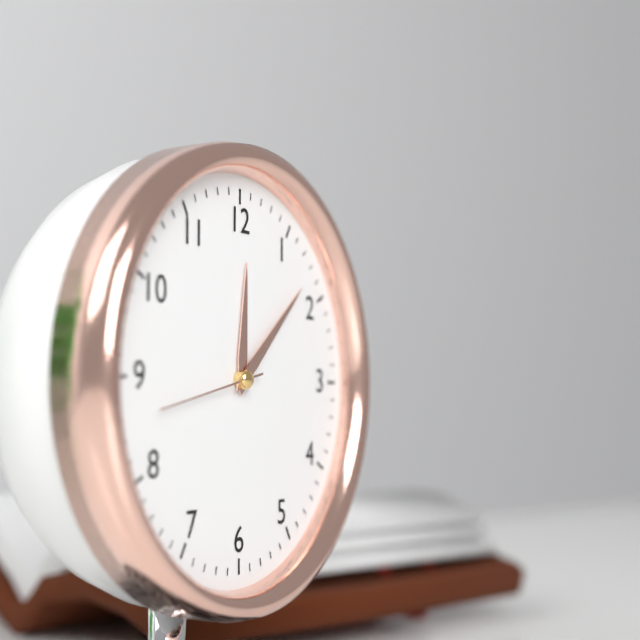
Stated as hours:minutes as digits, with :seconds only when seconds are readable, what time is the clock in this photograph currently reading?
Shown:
12:08:43
